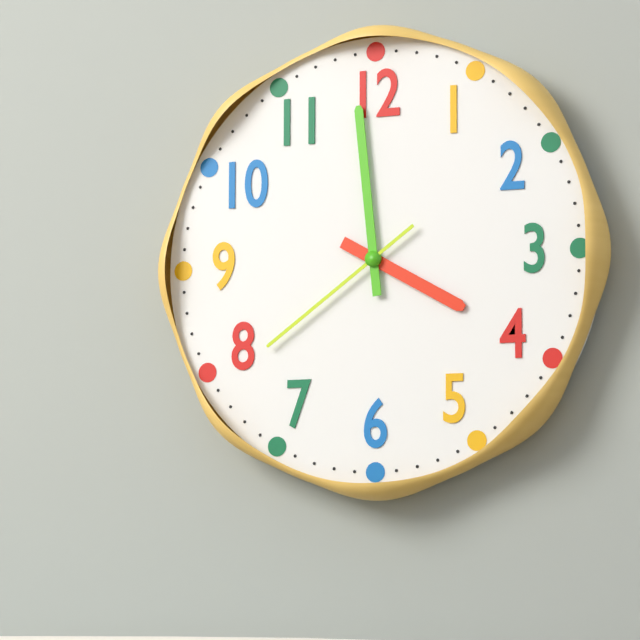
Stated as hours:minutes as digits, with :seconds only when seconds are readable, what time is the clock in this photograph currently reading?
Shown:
3:59:39
